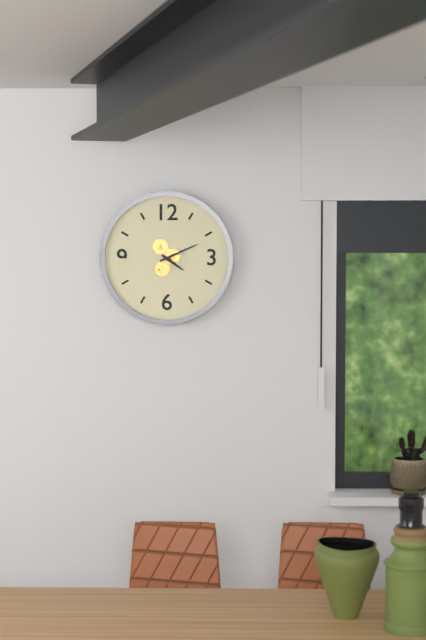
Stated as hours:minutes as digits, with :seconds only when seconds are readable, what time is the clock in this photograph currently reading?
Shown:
4:11
